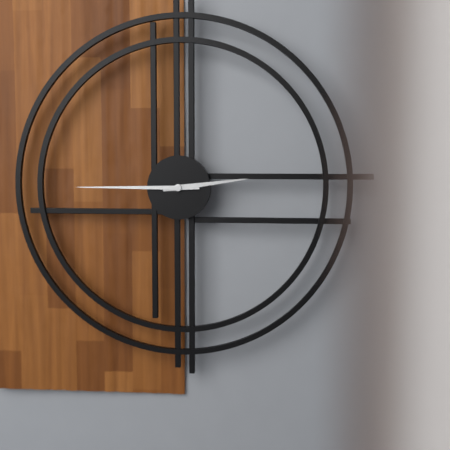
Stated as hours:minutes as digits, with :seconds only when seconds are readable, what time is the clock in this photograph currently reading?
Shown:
2:45
